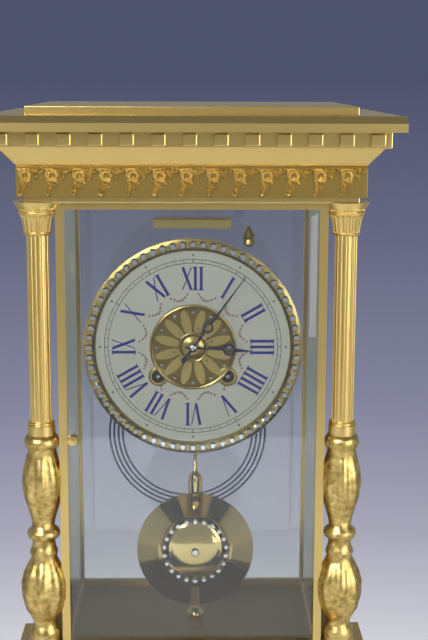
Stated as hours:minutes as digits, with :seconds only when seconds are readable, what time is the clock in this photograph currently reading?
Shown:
3:06
